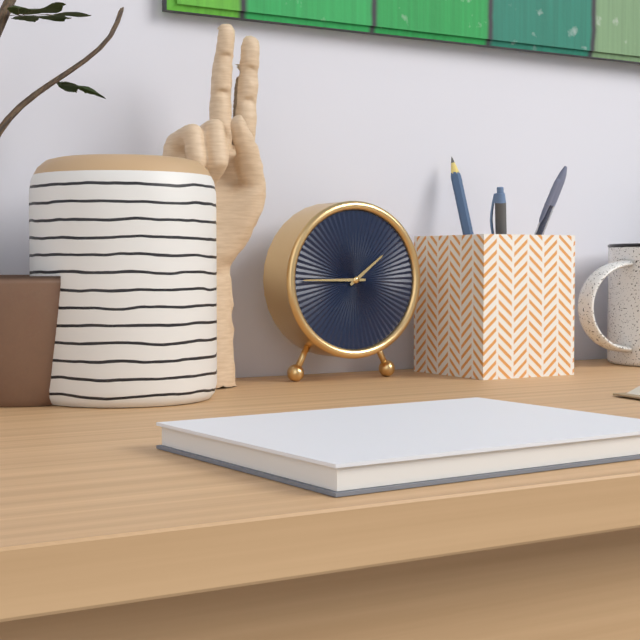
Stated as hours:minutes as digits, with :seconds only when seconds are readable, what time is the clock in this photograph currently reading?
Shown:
1:45
